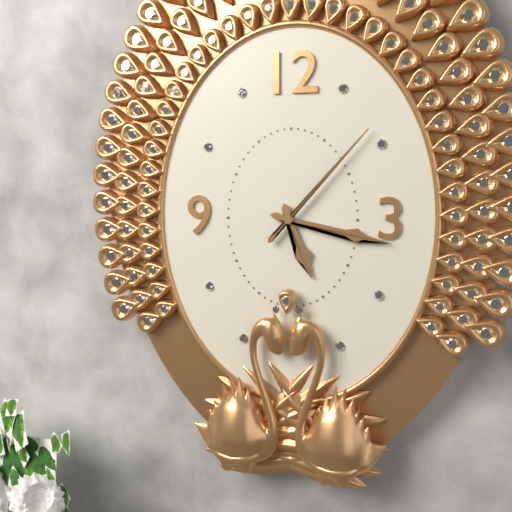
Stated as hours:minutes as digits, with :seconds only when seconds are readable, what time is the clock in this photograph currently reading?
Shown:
5:17:07
